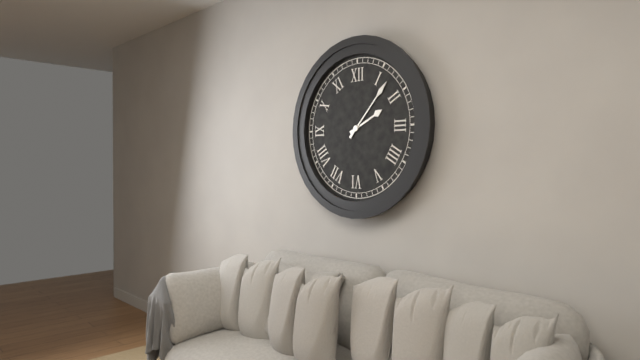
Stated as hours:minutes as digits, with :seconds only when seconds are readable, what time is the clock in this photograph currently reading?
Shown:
2:07
